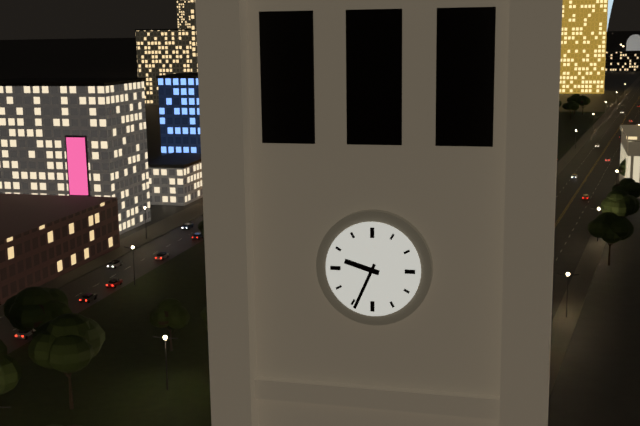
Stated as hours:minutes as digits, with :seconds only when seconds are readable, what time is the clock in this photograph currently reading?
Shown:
9:34
